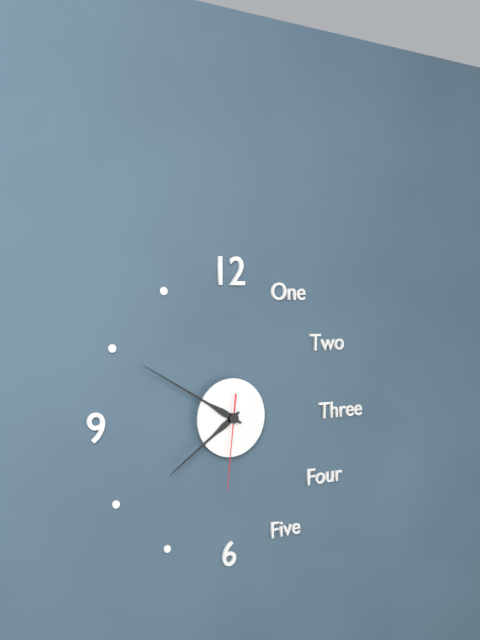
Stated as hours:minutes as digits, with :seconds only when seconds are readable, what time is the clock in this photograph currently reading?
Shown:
7:50:31
